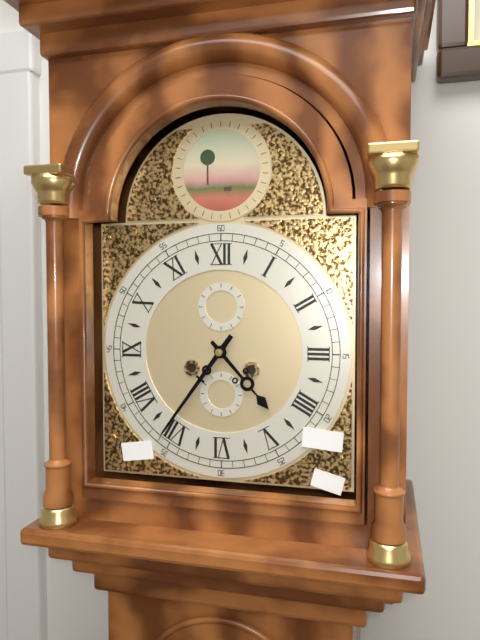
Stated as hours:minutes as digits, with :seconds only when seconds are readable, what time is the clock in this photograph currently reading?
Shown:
4:36
